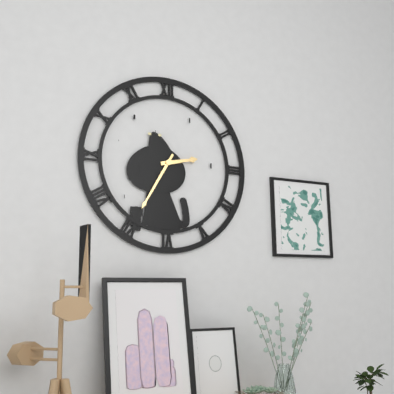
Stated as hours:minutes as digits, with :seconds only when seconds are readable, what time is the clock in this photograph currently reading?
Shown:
2:35
